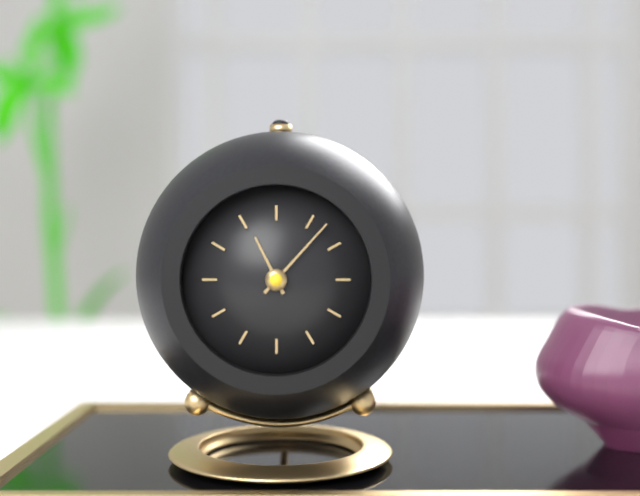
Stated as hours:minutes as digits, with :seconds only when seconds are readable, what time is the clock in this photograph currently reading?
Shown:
11:07
